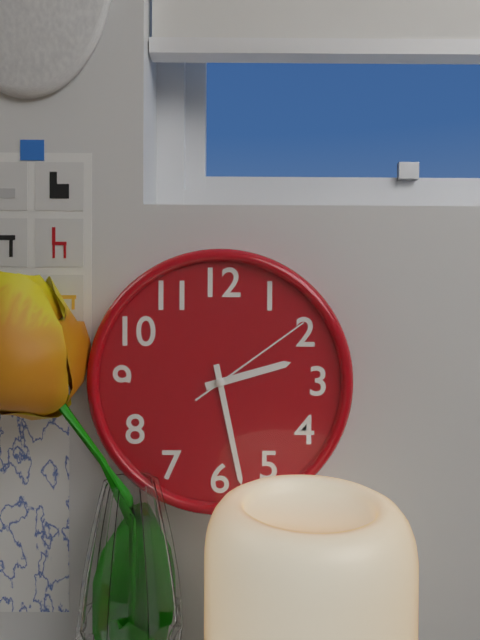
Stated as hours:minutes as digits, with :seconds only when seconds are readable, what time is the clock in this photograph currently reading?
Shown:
2:28:09
